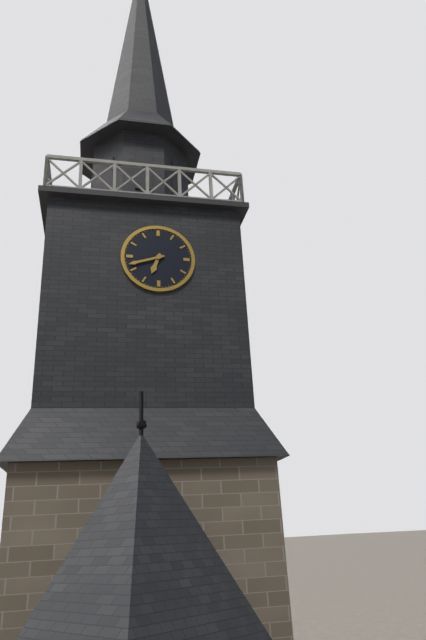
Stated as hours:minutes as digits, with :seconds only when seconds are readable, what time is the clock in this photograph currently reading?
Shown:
6:42
